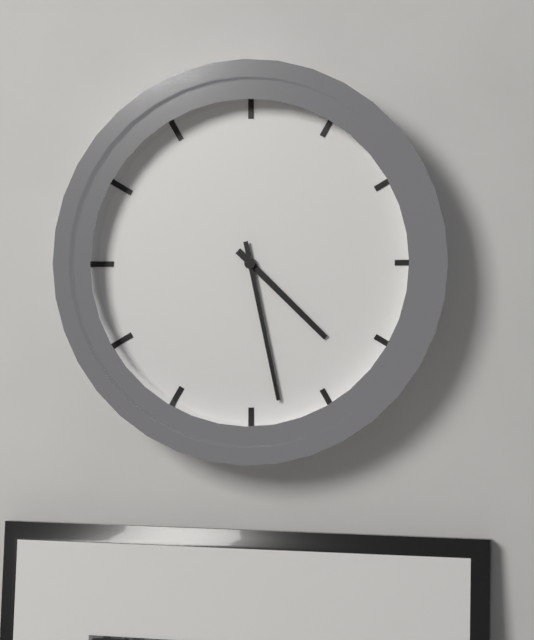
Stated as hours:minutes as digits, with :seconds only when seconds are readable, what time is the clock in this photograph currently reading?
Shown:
4:28
